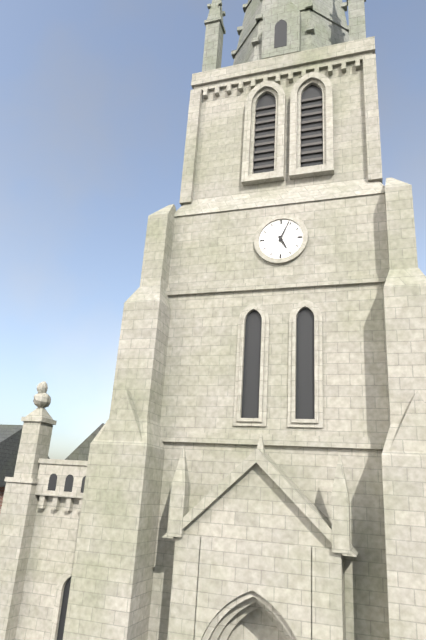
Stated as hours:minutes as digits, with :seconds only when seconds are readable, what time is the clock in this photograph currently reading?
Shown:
5:04
